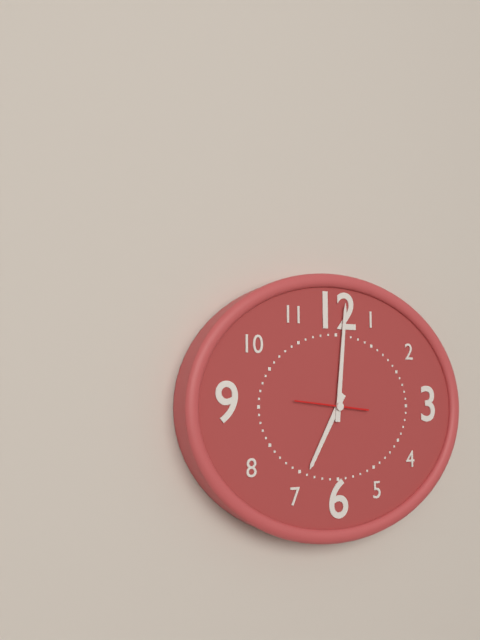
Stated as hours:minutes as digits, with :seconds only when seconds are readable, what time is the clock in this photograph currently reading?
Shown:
7:01:46
